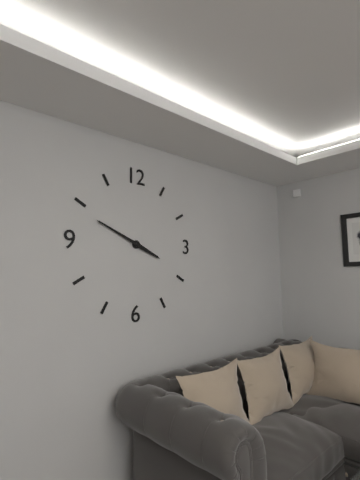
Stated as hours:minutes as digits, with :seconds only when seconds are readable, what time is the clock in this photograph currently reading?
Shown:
3:49
